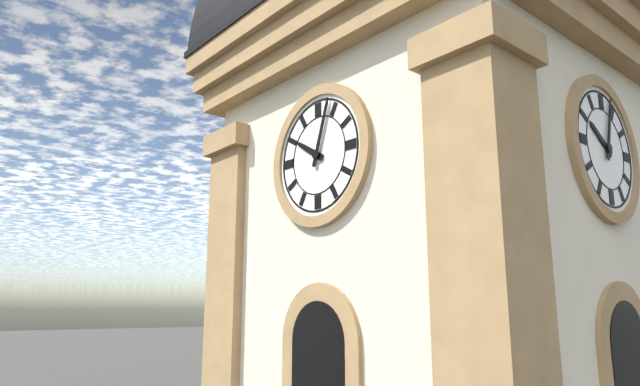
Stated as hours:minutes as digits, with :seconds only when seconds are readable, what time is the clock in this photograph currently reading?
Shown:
10:03
